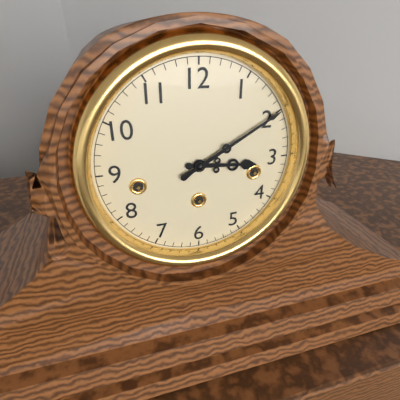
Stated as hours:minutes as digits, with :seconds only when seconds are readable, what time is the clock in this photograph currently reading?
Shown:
3:10
